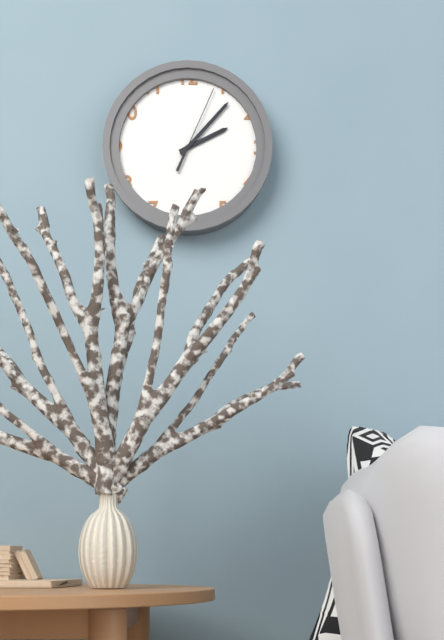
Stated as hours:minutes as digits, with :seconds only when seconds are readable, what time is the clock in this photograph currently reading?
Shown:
2:07:04
